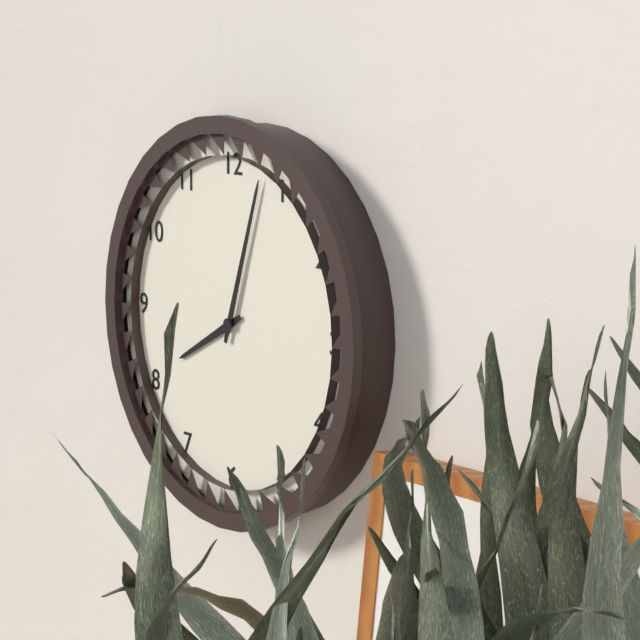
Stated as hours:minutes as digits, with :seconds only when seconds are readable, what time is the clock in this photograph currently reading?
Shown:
8:03
